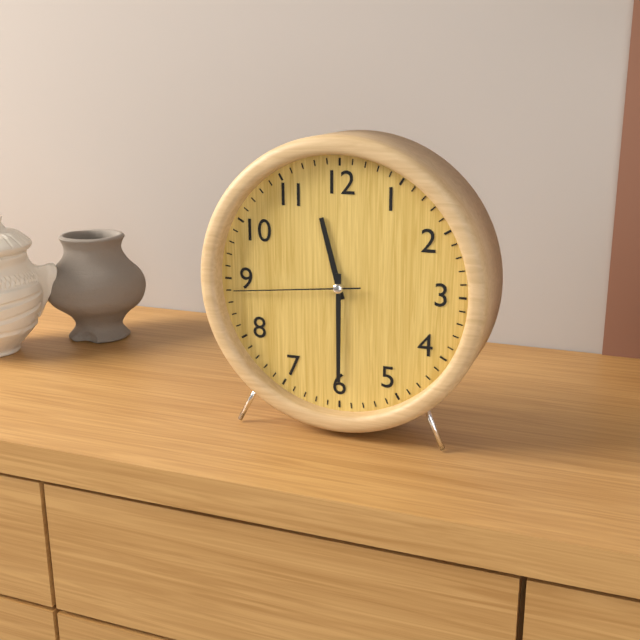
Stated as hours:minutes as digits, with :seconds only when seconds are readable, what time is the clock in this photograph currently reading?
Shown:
11:30:44
